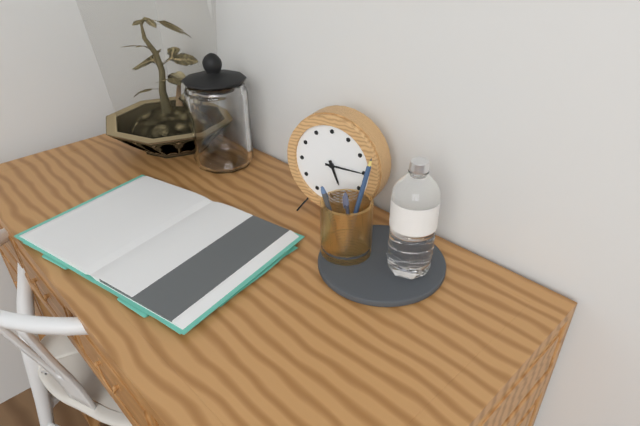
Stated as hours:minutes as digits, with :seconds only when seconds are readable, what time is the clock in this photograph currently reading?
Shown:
5:15
